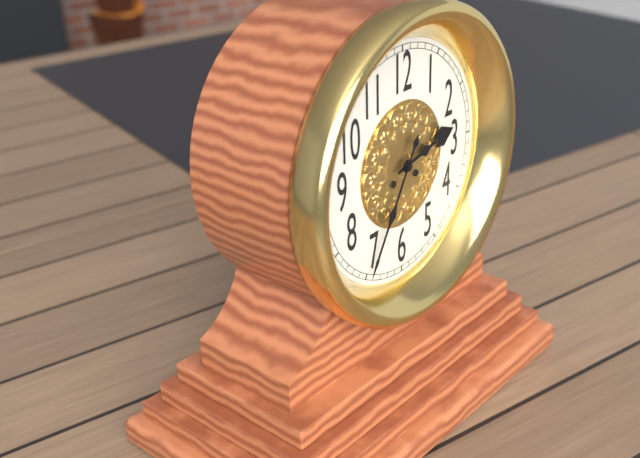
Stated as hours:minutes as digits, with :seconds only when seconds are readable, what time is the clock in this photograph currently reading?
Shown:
2:35
